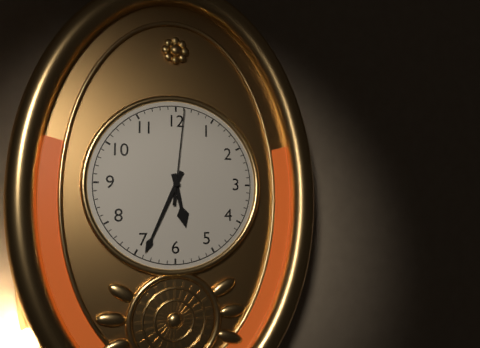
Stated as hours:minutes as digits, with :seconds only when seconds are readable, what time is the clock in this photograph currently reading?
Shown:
5:34:01
